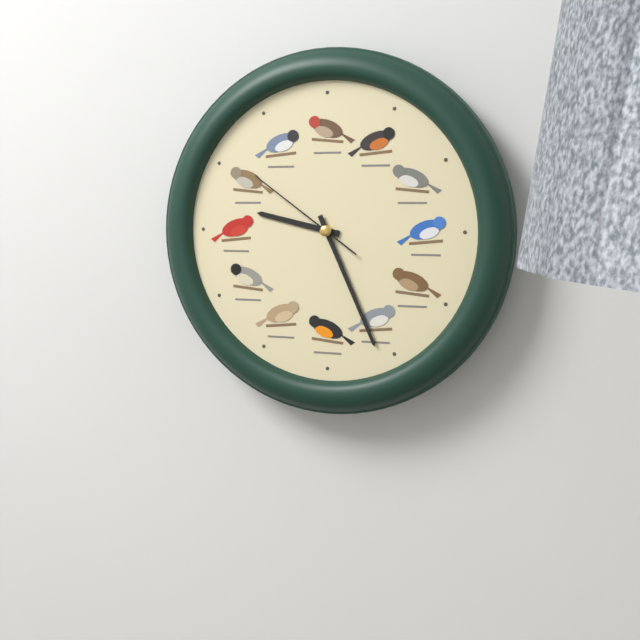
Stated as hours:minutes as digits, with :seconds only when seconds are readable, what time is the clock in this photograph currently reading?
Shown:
9:26:51
